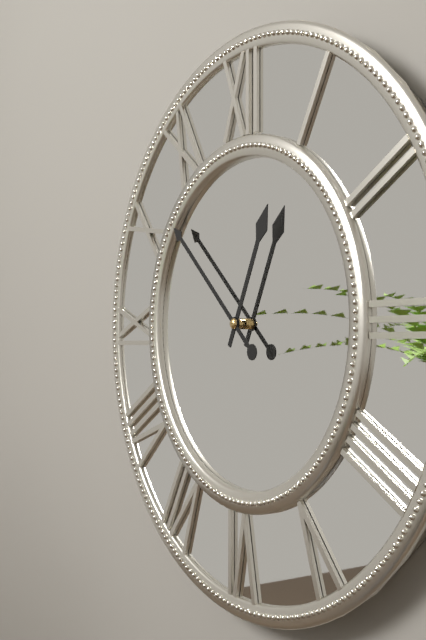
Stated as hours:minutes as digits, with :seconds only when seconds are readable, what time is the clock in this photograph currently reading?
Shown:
12:52
